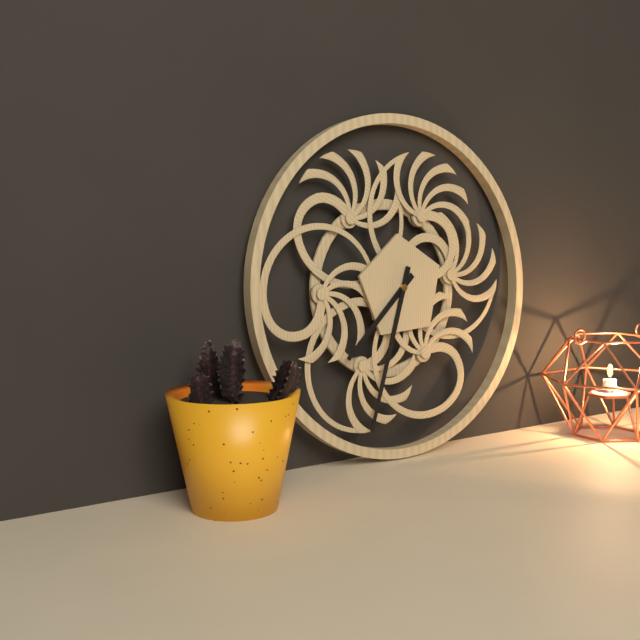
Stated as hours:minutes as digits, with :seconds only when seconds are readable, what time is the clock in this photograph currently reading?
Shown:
7:33
